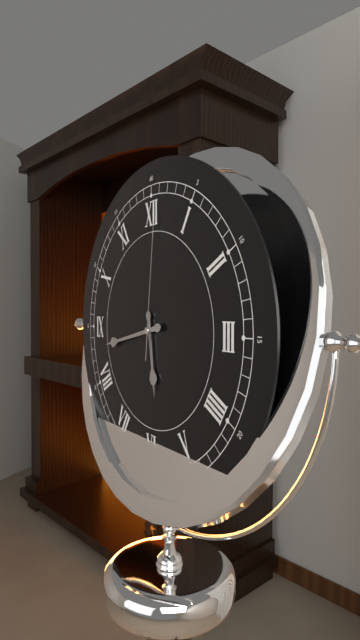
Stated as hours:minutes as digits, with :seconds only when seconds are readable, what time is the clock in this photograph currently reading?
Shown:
5:43:01
